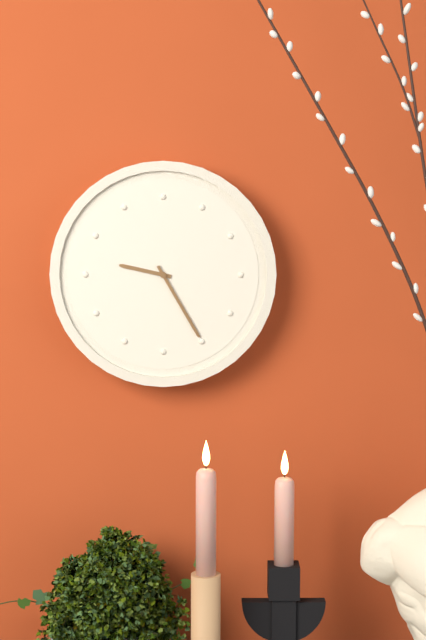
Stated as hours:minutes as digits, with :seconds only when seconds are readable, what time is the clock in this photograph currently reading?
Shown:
9:25
